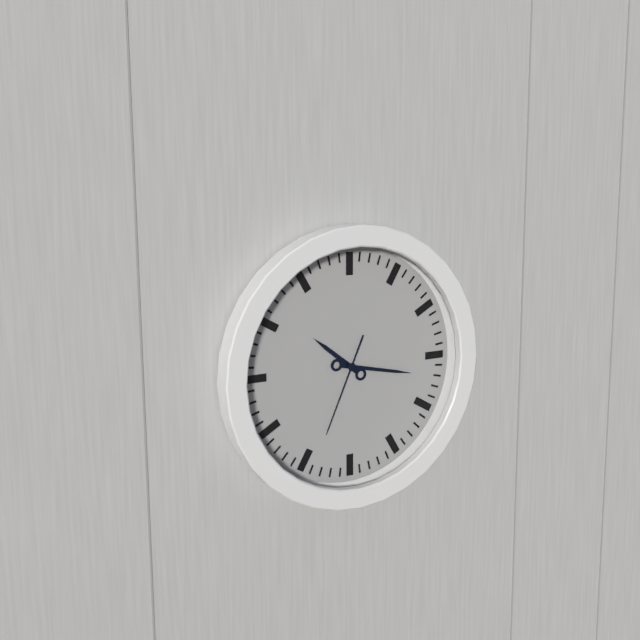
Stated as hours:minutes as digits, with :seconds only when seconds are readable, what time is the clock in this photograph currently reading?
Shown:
10:17:34
